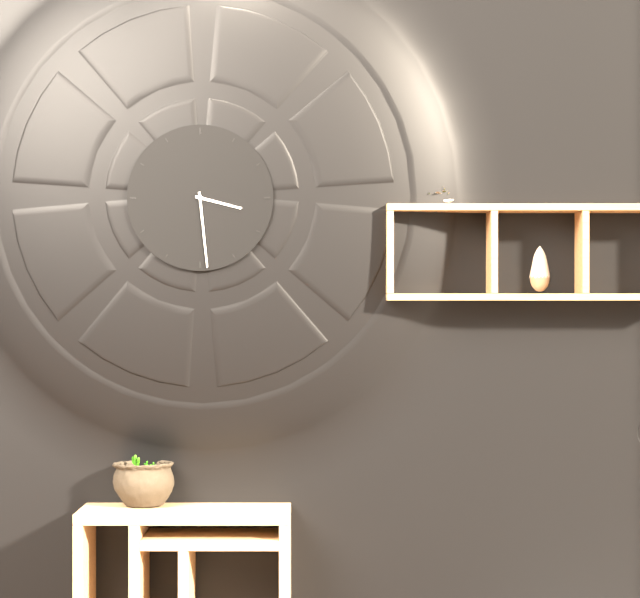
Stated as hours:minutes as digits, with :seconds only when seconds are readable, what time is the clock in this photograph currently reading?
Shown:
3:29
